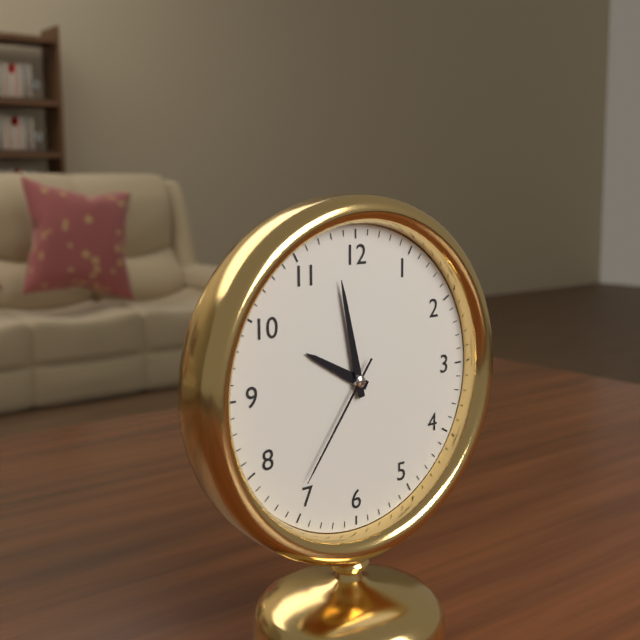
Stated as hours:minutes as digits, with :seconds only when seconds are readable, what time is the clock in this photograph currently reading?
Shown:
9:58:36
